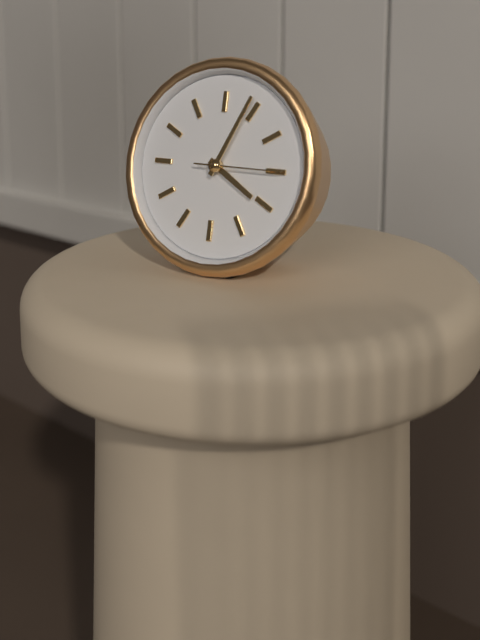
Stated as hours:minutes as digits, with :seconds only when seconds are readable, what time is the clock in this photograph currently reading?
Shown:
4:04:15
